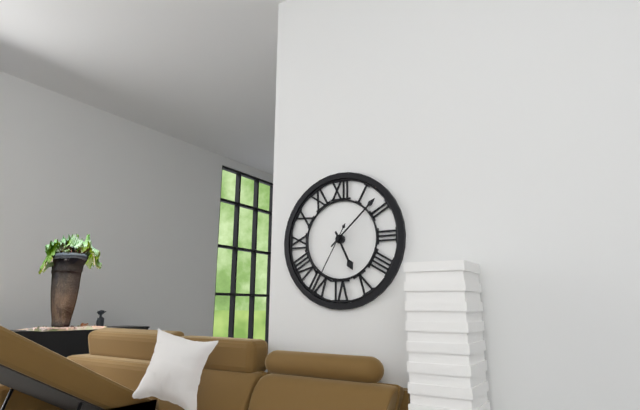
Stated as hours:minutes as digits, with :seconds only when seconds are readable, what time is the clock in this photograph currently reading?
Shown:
5:08:35
